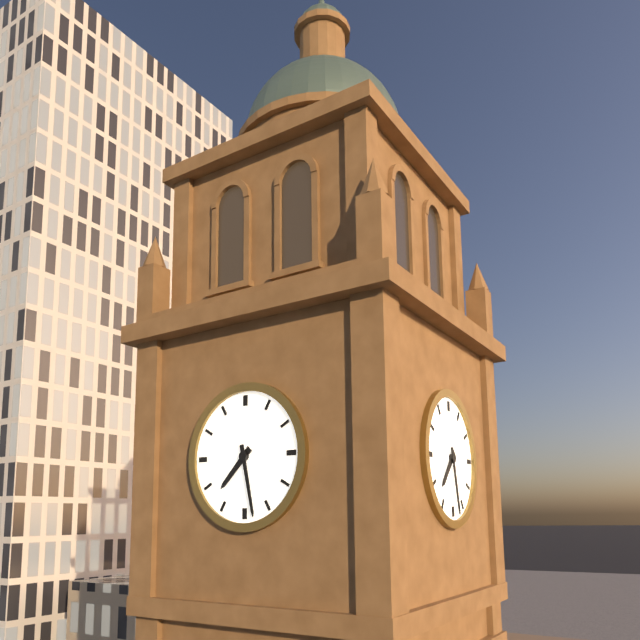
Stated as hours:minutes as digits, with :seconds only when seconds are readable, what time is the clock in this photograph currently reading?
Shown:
7:28
